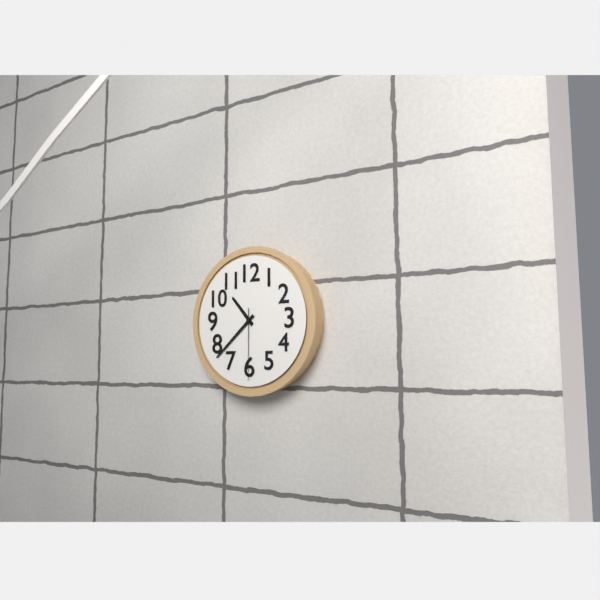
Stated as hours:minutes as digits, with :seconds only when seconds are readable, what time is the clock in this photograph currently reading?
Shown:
10:38:30
